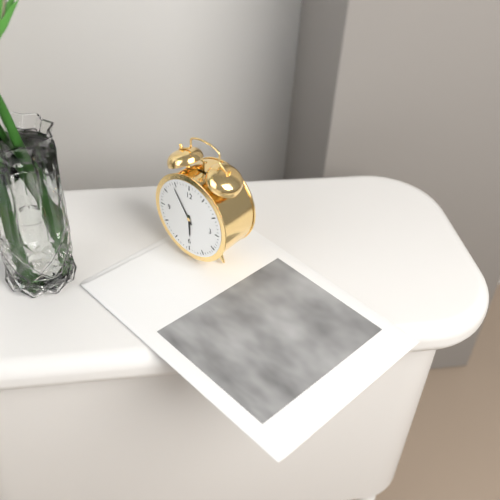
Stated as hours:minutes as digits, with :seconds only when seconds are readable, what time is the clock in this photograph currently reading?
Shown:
5:54
